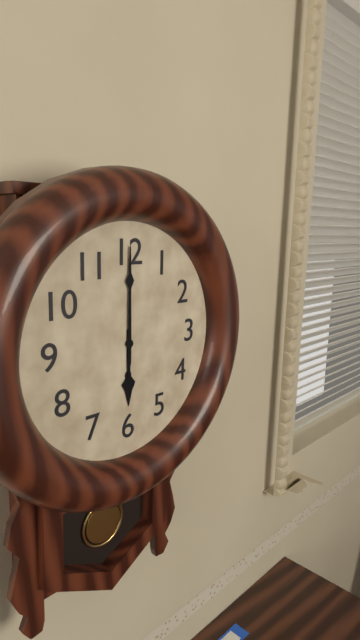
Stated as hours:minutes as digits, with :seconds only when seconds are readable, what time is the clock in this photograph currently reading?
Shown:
6:00
